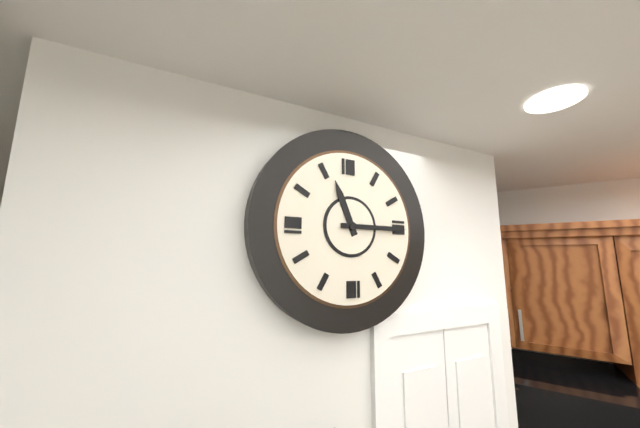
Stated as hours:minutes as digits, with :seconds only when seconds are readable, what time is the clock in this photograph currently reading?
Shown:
11:15
